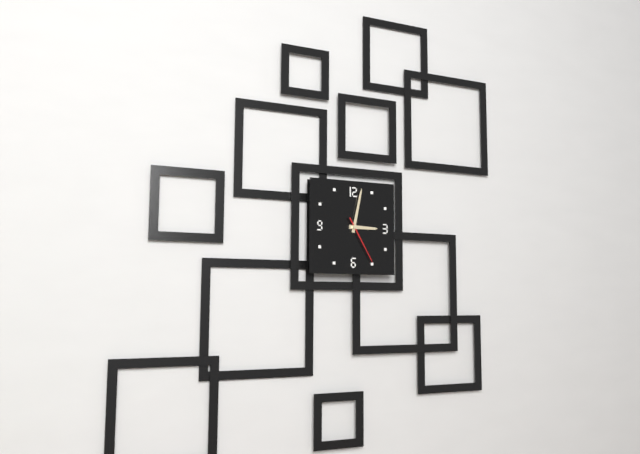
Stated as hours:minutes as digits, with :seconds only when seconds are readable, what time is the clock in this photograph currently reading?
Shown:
3:02:25
